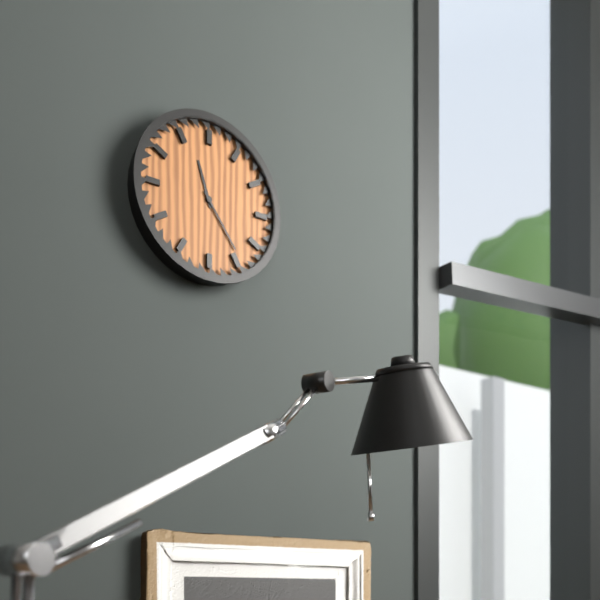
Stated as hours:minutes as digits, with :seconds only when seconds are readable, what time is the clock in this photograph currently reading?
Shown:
11:24
